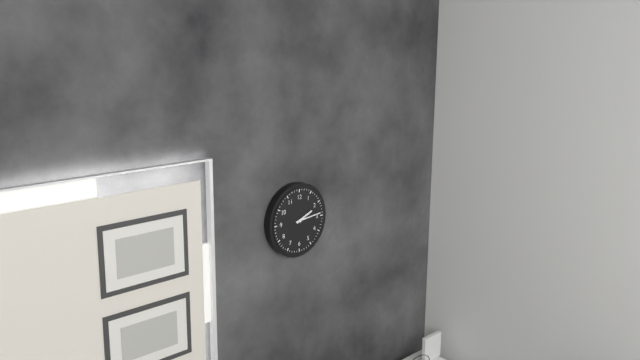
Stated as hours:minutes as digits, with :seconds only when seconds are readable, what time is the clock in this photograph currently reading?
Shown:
2:14
